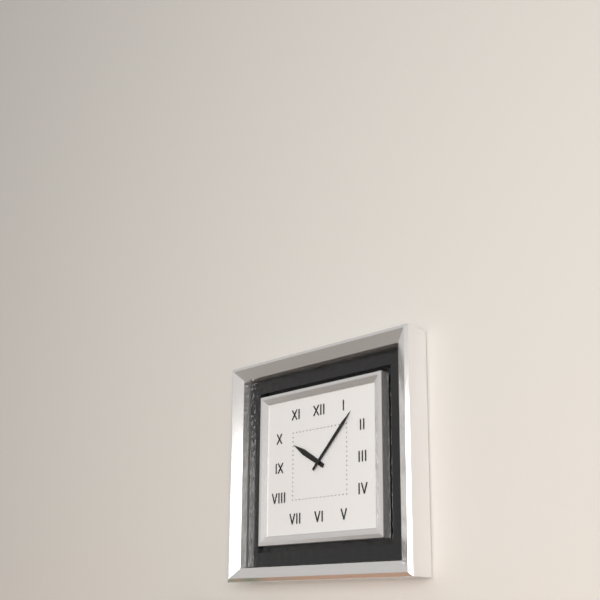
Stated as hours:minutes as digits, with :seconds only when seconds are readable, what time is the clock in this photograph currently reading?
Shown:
10:07
